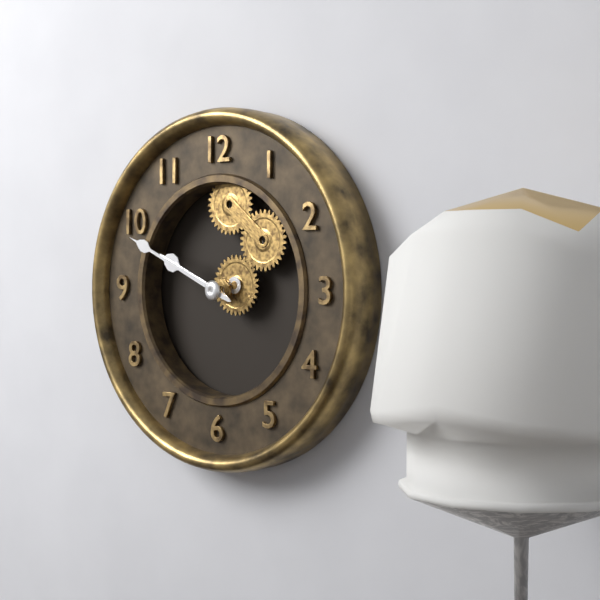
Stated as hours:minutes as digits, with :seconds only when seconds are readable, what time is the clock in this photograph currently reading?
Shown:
9:49
